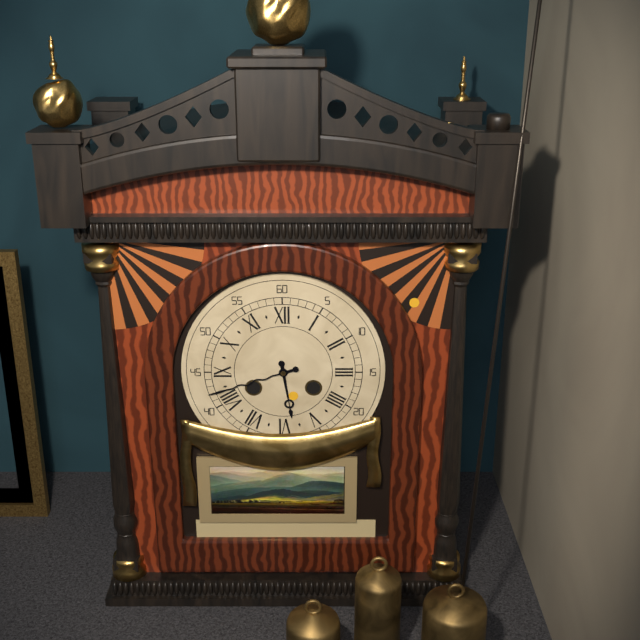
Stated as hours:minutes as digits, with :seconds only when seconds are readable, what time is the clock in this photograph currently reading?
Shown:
5:42
